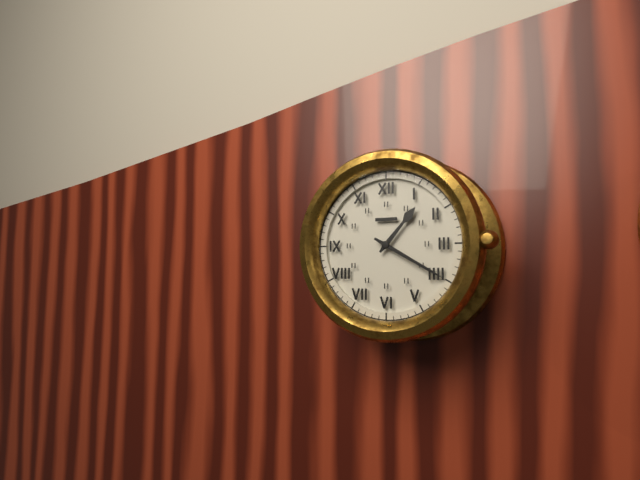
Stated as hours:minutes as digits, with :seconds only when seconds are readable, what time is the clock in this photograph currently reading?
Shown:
1:20
